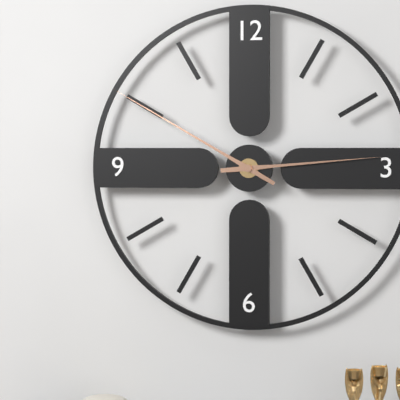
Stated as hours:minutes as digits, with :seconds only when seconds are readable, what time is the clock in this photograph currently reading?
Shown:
2:50
